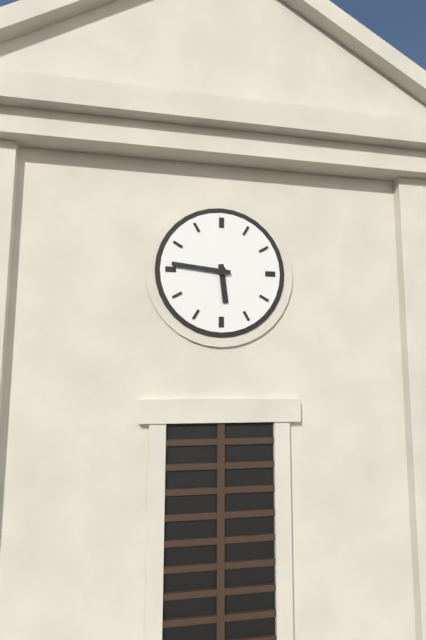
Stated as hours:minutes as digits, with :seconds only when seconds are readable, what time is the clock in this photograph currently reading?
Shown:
5:46
